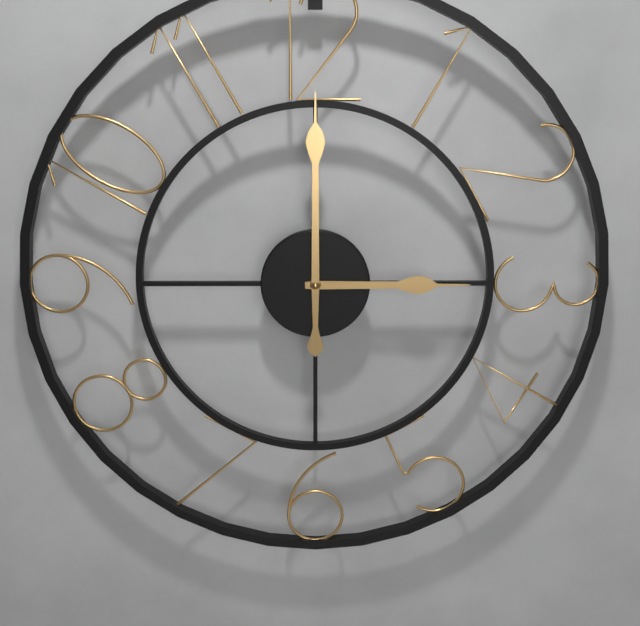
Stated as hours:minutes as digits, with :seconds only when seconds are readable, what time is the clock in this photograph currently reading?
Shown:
3:00
